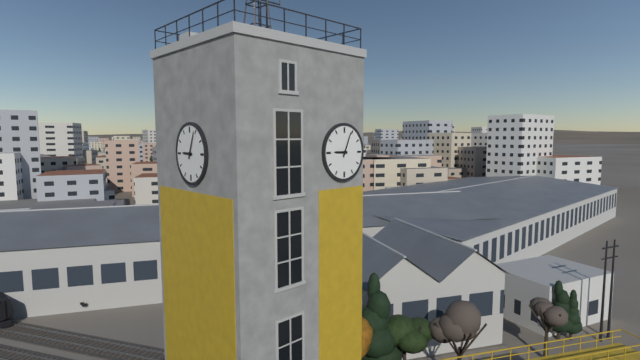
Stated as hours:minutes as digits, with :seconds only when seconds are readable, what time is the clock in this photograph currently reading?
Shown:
9:04
